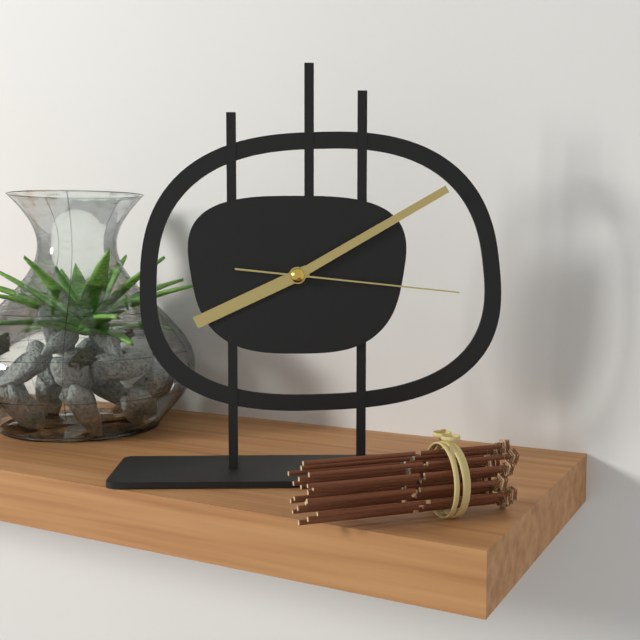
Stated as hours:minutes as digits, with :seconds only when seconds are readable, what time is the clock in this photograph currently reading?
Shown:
8:10:16
